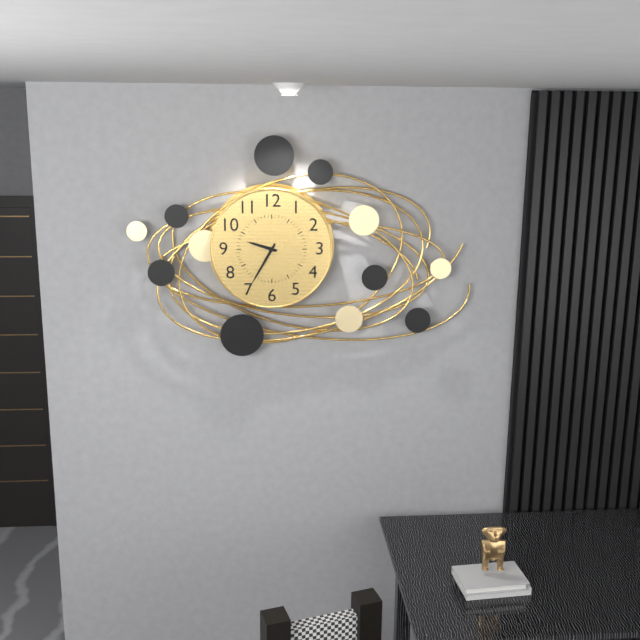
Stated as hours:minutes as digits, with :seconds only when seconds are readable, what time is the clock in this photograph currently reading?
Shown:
9:35
